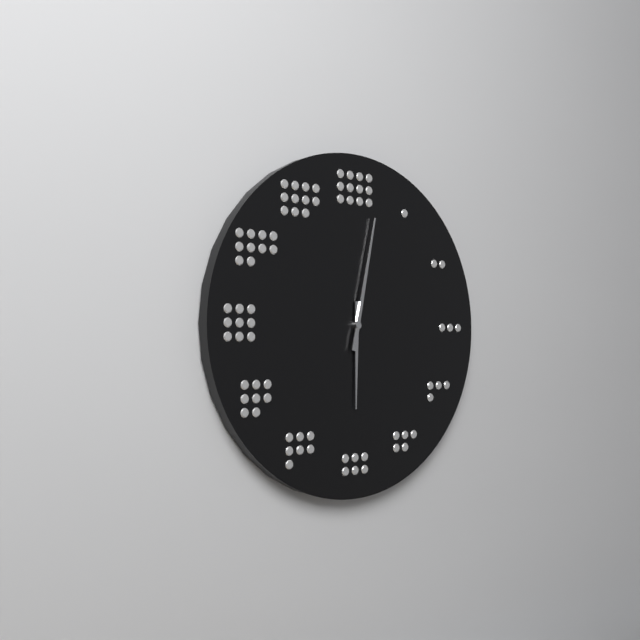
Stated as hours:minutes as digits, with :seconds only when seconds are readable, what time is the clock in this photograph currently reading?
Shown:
6:02
